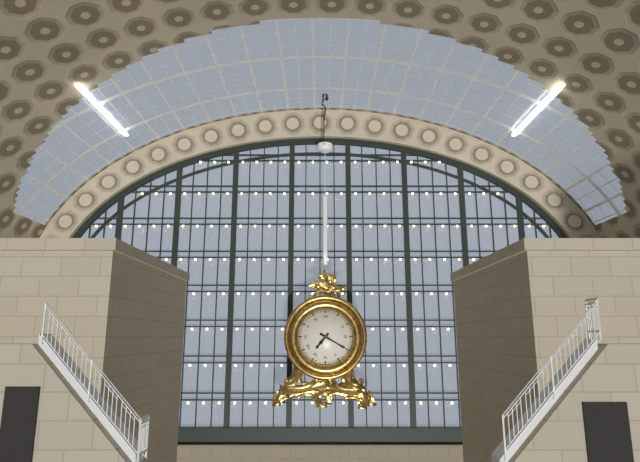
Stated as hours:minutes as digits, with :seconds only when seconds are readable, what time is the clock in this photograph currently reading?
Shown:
7:20
